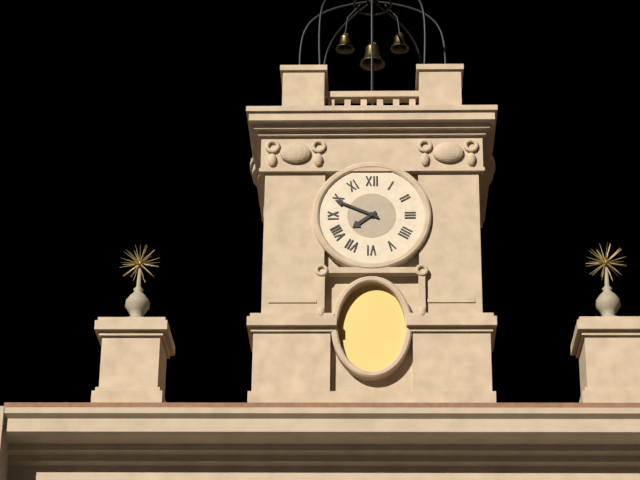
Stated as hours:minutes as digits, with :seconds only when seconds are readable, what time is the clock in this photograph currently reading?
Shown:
7:49
